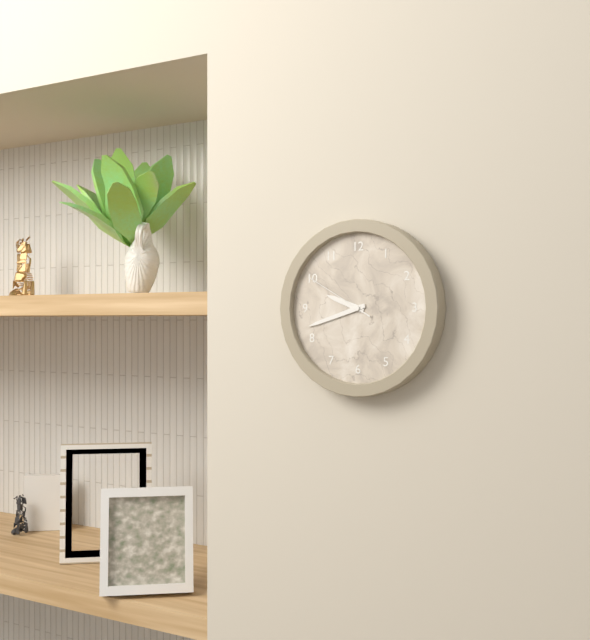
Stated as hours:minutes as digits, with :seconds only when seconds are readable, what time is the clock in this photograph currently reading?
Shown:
9:42:50
